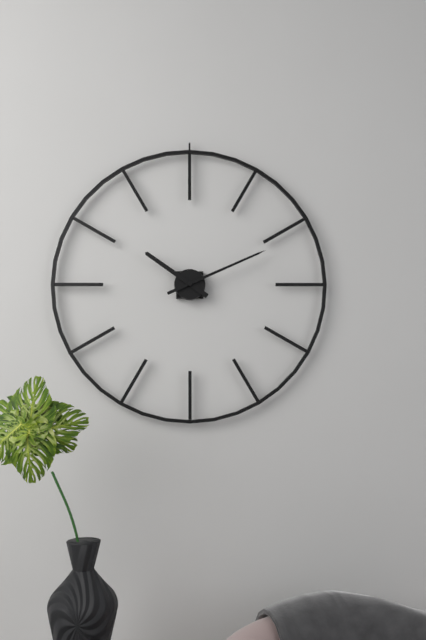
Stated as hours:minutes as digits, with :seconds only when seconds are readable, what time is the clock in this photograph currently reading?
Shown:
10:11
